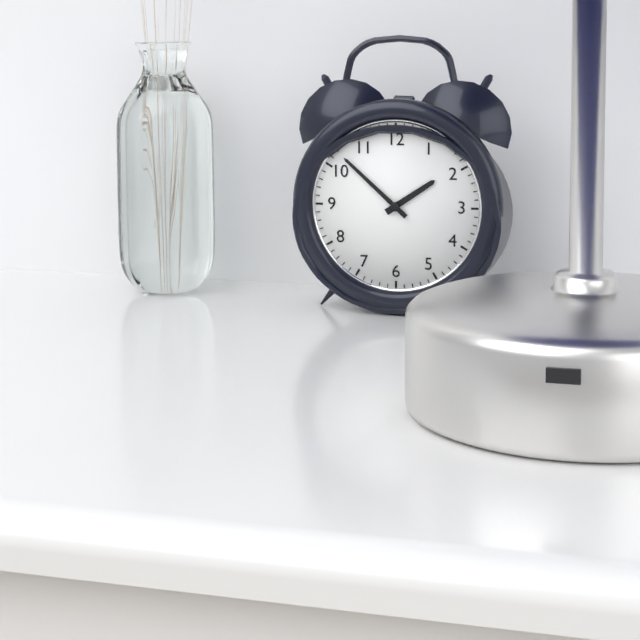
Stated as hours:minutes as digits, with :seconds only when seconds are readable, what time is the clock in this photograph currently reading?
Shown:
1:52
